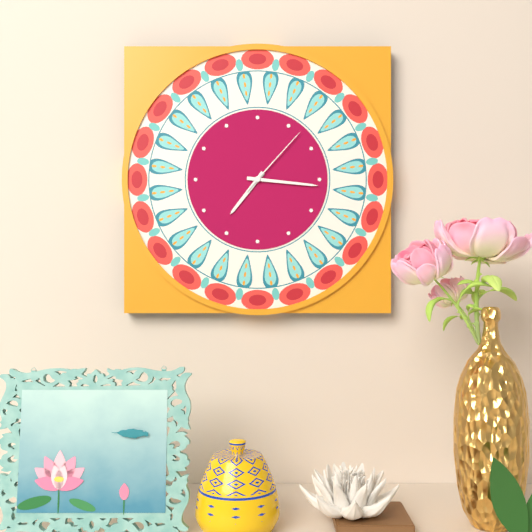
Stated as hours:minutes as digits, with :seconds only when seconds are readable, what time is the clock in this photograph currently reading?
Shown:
7:16:07
